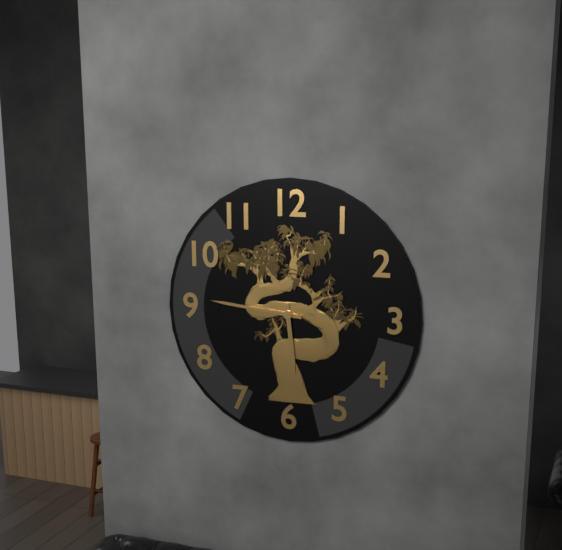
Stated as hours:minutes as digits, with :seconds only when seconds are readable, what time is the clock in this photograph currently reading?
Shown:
5:46
